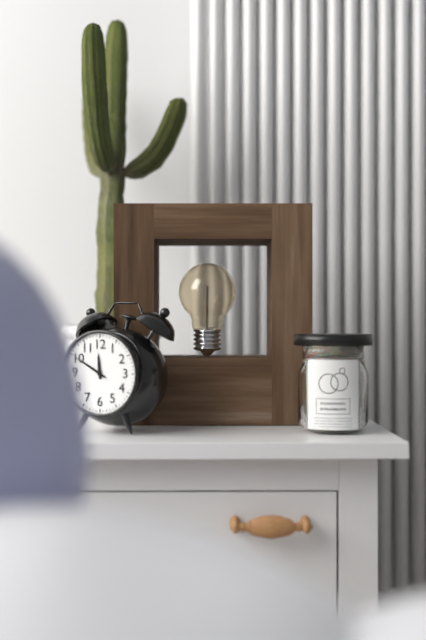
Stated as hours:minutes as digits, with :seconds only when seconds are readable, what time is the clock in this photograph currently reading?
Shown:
11:50
